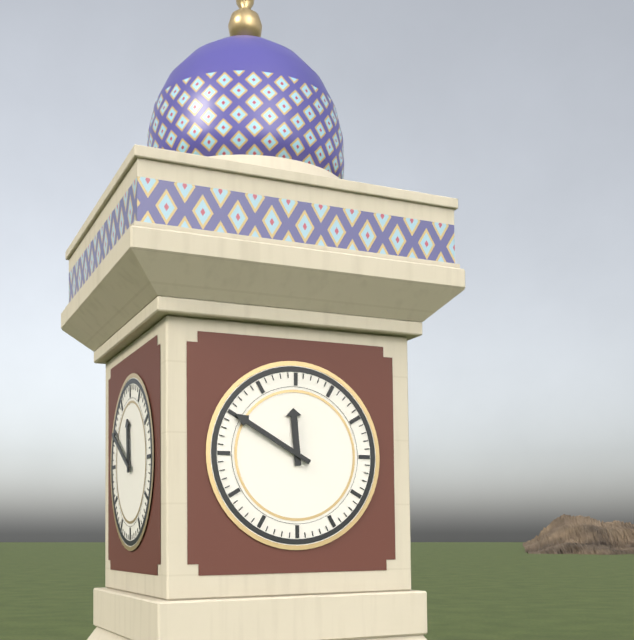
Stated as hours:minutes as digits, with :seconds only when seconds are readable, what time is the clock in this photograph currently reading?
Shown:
11:50
